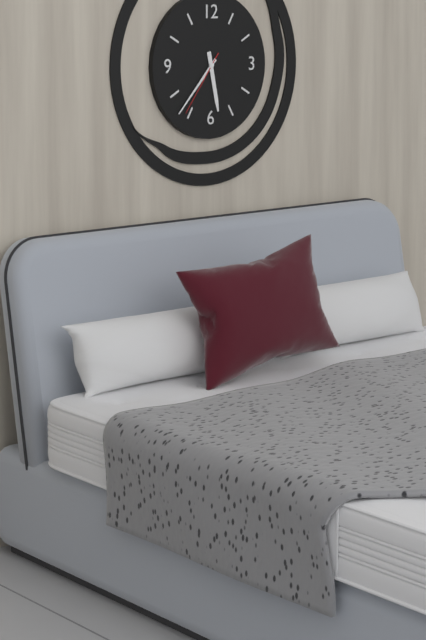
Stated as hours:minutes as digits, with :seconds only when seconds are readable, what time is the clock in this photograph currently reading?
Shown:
5:37:36
